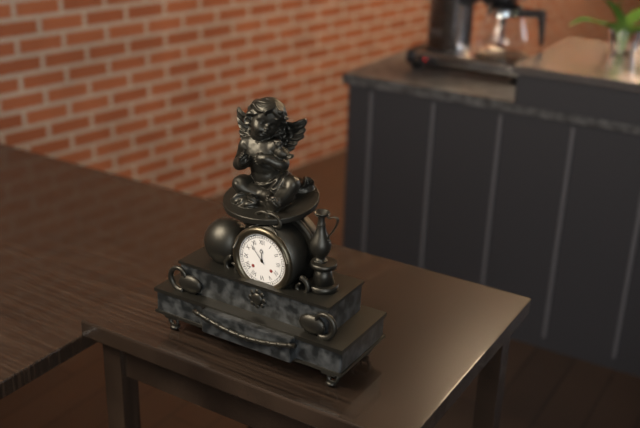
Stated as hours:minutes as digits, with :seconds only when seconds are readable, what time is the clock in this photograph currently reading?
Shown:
11:53
